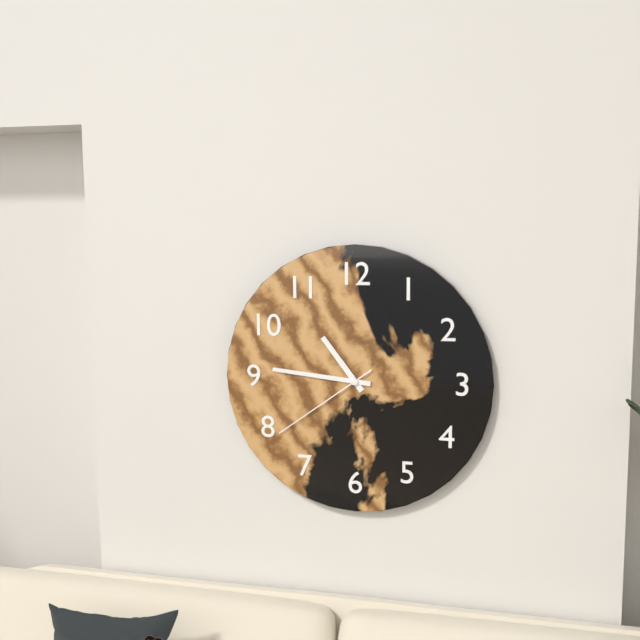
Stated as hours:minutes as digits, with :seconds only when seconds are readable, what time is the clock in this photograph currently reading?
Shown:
10:46:39
